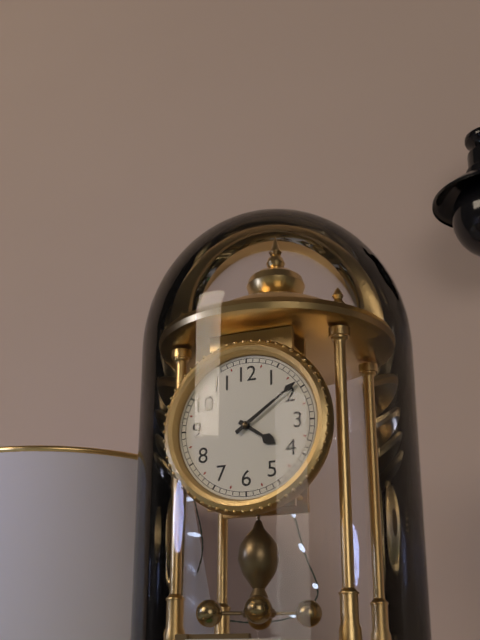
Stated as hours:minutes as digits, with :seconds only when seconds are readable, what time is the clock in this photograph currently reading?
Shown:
4:09
